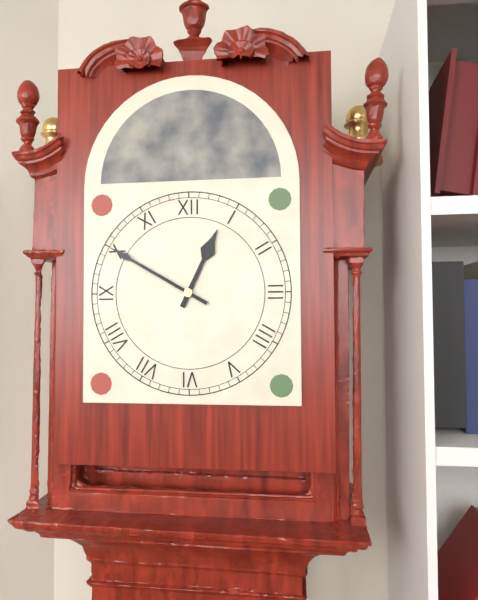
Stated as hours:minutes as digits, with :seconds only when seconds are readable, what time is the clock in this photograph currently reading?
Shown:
12:50
